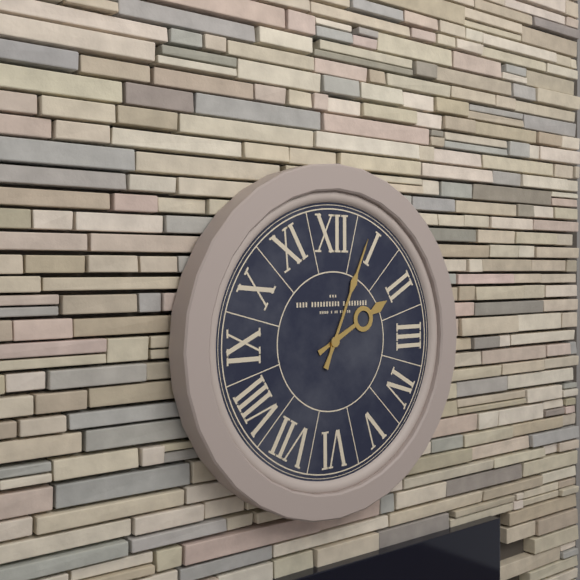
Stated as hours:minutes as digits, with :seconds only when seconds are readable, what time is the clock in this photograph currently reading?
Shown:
2:04
